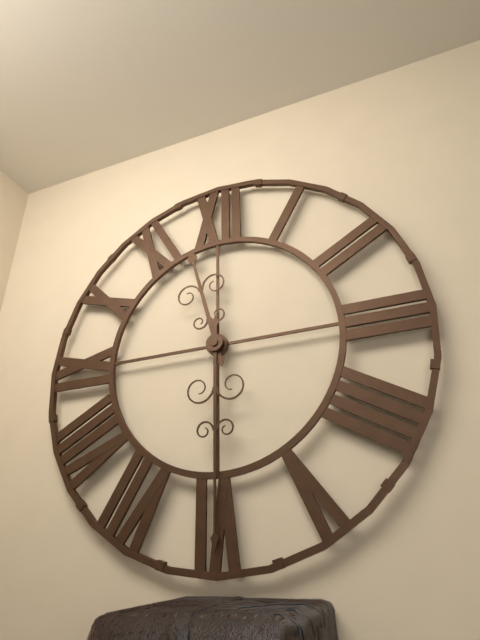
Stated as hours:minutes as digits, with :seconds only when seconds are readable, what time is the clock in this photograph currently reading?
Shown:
11:30
